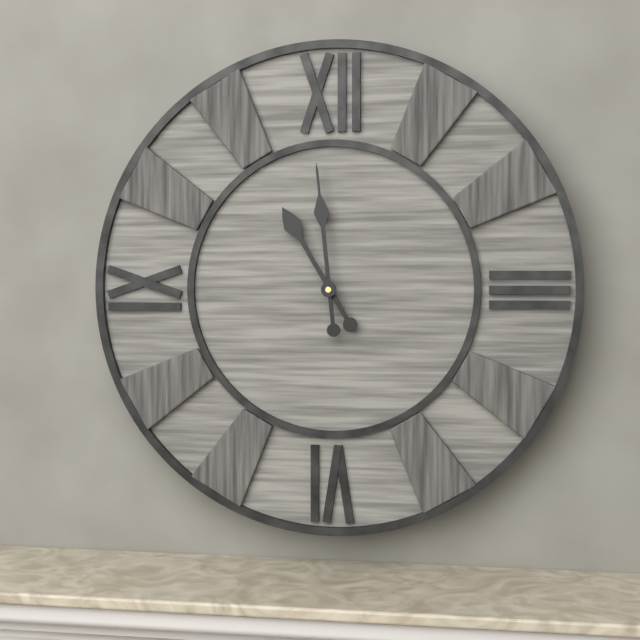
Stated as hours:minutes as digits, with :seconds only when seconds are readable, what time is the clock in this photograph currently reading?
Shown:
10:59
